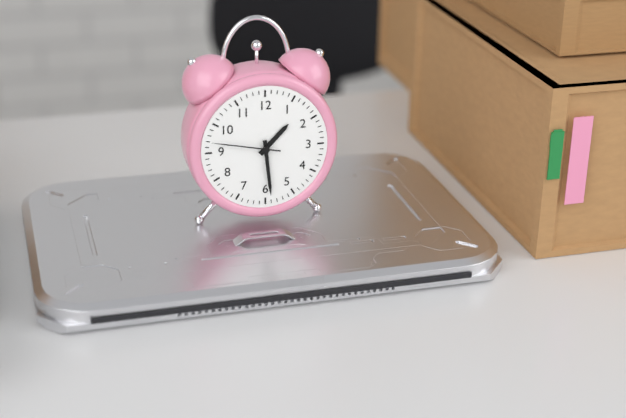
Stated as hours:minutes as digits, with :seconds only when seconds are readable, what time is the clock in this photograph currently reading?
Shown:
1:29:47
